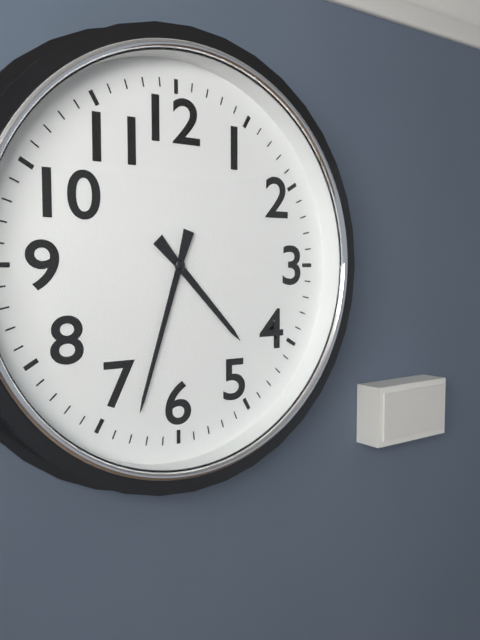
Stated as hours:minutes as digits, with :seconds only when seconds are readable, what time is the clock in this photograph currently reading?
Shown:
4:33
